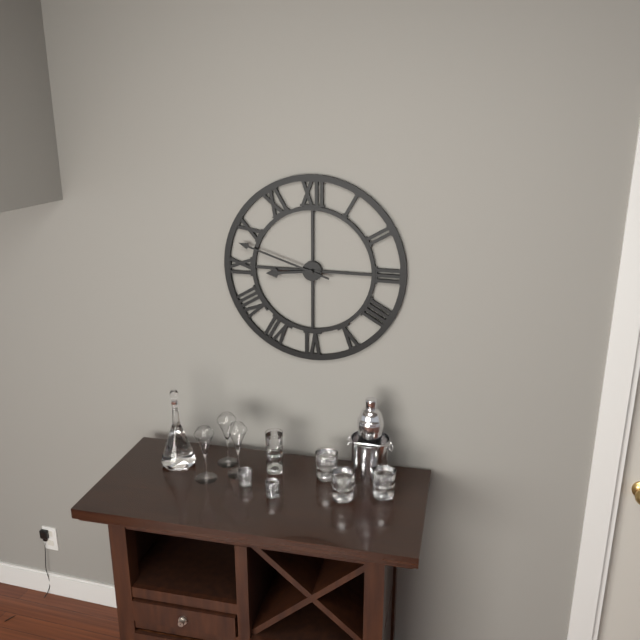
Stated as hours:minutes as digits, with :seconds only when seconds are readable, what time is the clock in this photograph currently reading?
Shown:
8:48
